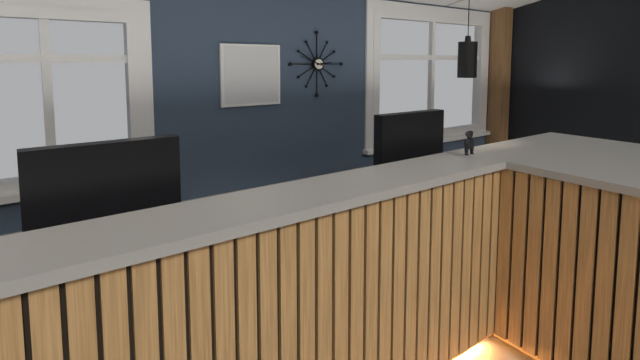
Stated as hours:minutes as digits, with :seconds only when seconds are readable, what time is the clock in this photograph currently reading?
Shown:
2:48
